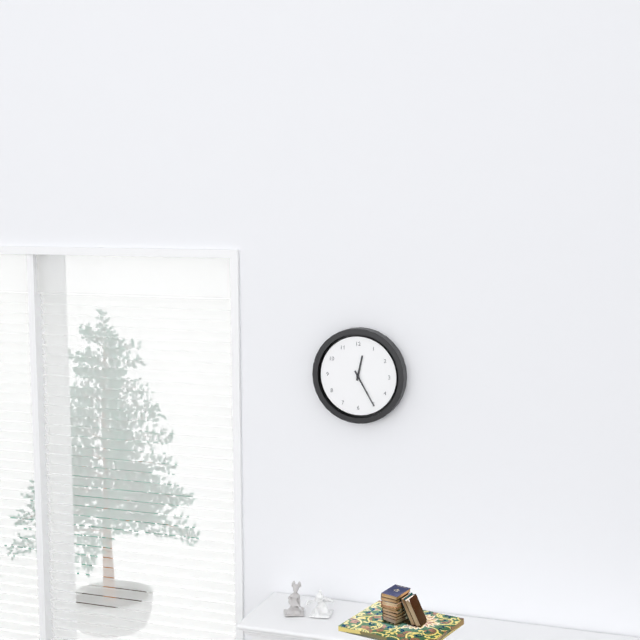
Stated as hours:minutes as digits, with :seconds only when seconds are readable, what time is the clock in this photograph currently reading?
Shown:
12:25
